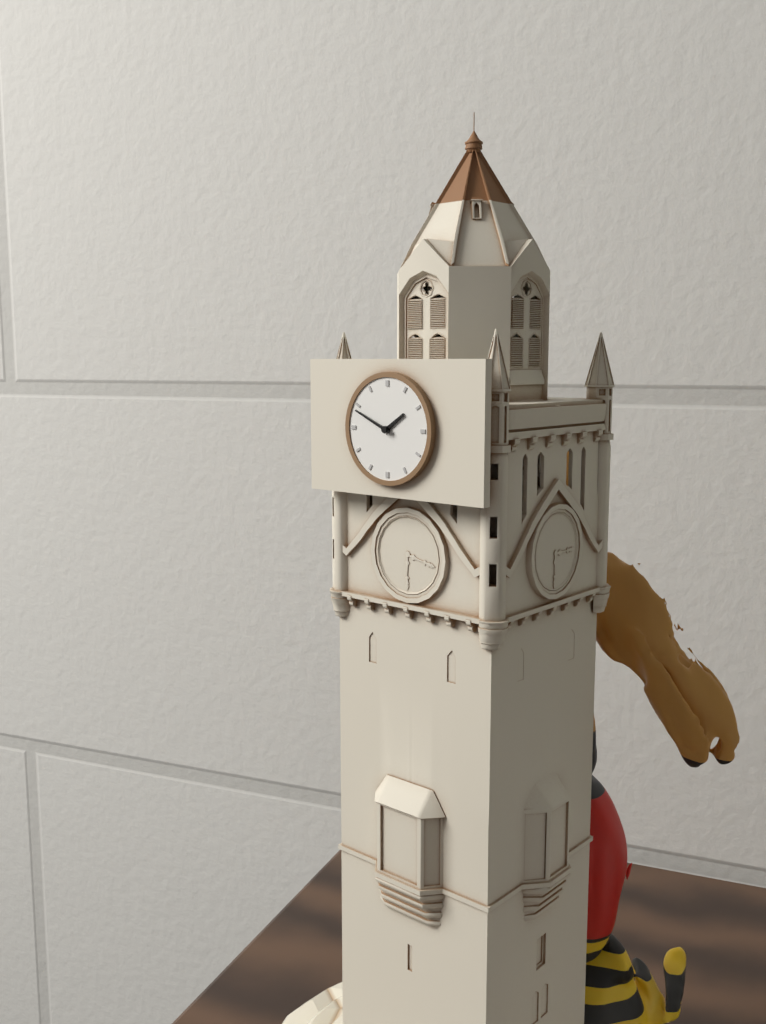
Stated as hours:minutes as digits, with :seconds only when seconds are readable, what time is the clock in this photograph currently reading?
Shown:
1:49
